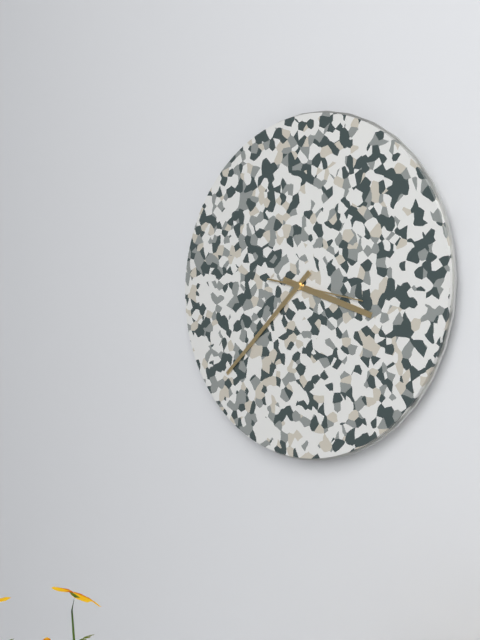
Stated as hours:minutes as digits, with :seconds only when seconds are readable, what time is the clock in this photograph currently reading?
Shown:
3:38:17
